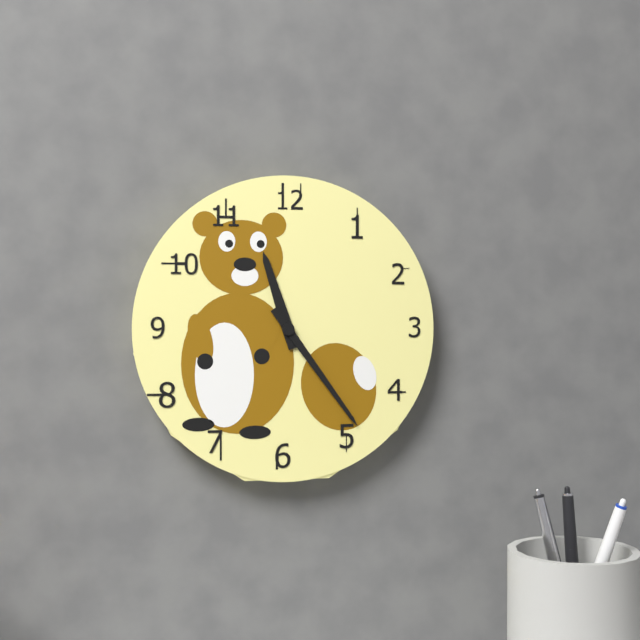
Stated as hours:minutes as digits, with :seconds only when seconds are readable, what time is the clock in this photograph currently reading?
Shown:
11:24
